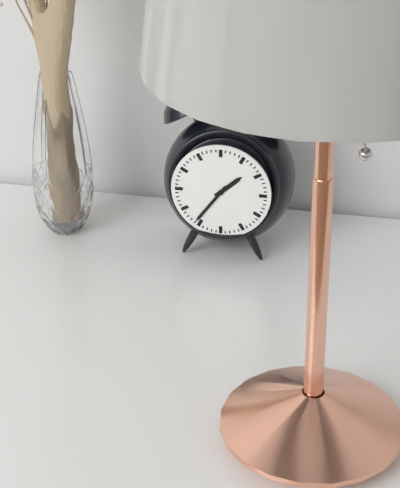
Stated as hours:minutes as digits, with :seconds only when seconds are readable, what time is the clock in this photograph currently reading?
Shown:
1:36
